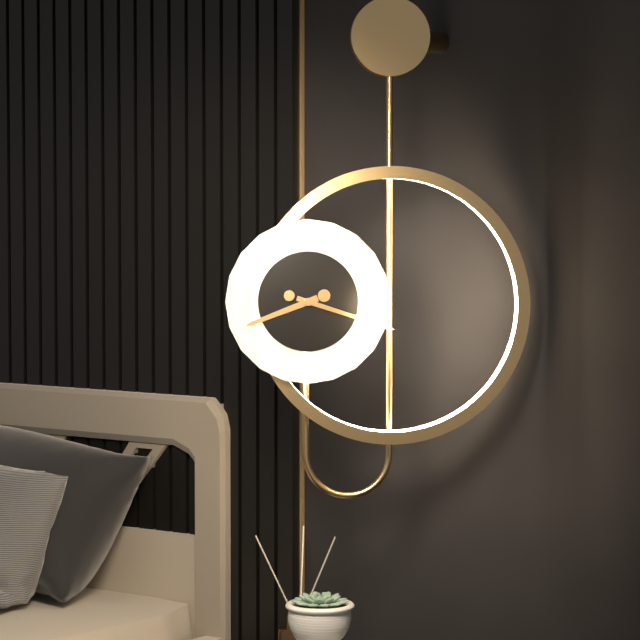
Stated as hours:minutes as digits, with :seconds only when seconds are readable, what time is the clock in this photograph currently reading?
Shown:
8:18
